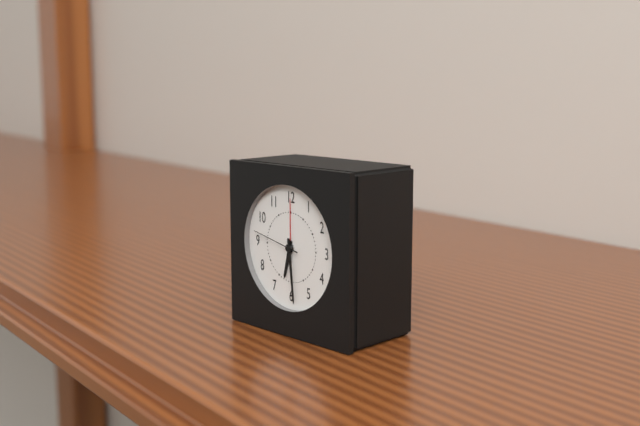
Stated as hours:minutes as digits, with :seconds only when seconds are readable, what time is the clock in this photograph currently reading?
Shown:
6:29
